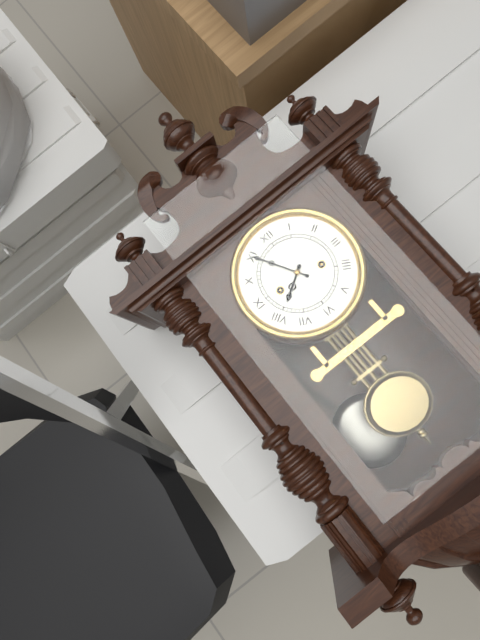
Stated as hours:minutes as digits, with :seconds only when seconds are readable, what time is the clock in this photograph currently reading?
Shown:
7:55
